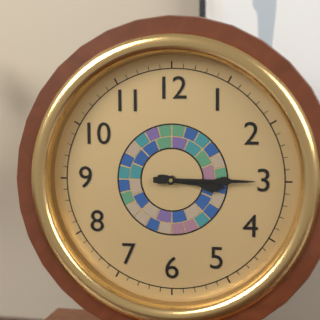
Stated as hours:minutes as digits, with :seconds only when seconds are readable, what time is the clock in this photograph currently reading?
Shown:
3:15
